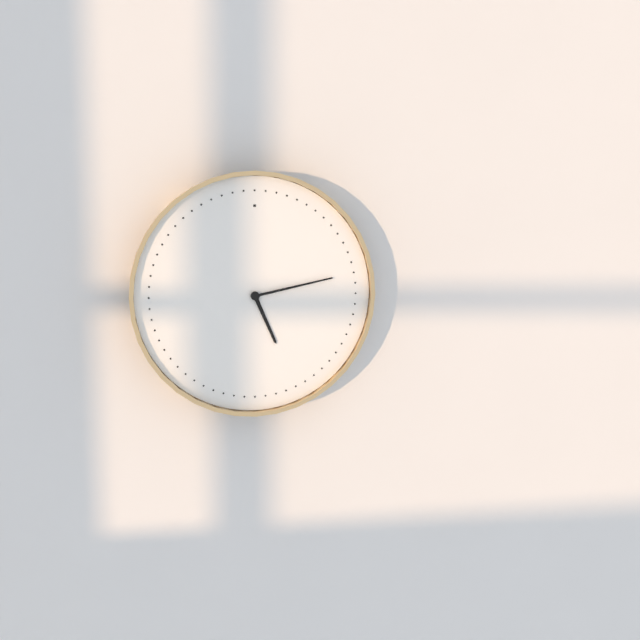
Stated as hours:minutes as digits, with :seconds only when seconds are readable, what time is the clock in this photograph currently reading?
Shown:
5:13
